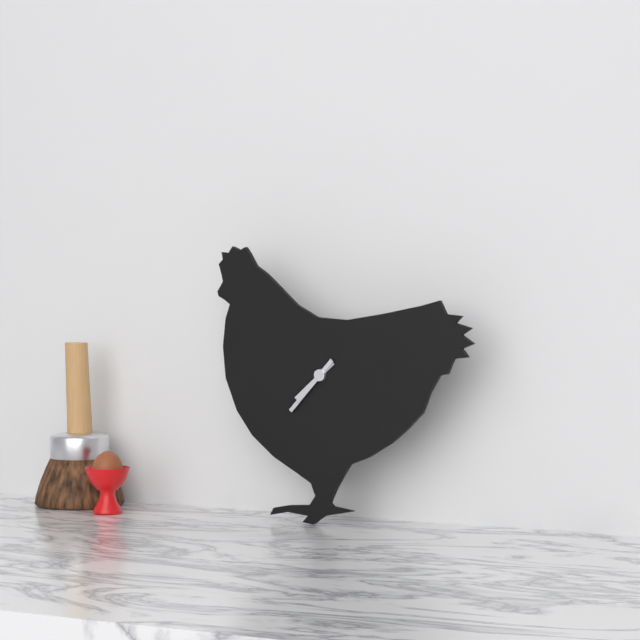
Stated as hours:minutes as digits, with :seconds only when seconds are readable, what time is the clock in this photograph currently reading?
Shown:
7:37
